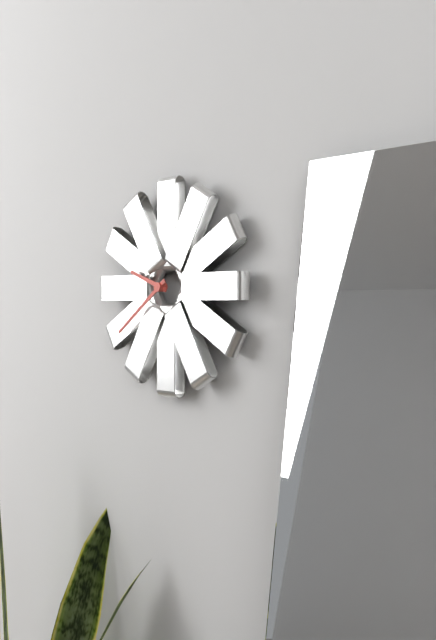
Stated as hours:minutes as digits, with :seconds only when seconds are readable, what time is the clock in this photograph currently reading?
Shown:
9:39
